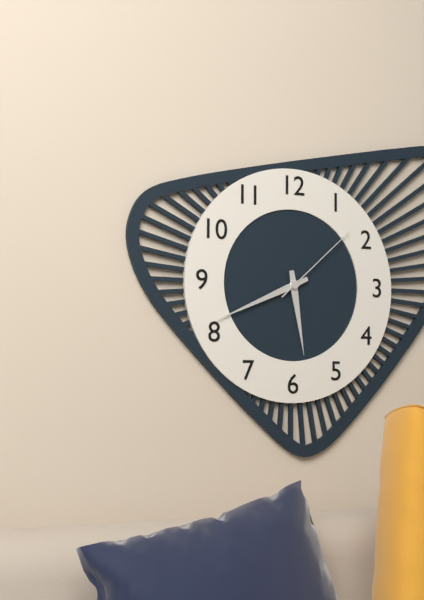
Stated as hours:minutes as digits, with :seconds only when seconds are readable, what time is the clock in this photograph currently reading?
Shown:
5:41:08
